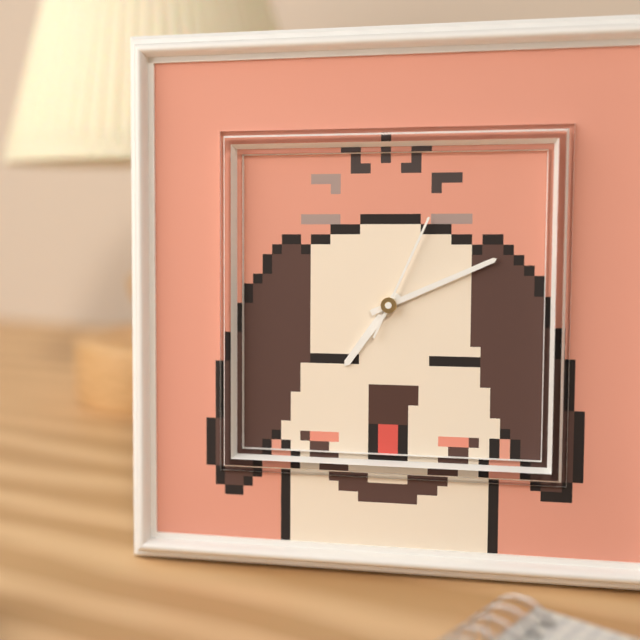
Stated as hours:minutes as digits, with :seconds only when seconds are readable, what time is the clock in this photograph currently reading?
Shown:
7:11:04
